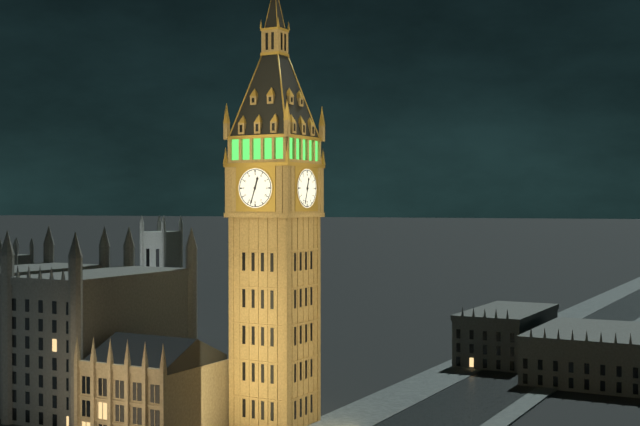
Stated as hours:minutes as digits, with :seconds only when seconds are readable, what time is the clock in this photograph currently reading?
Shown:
12:33
